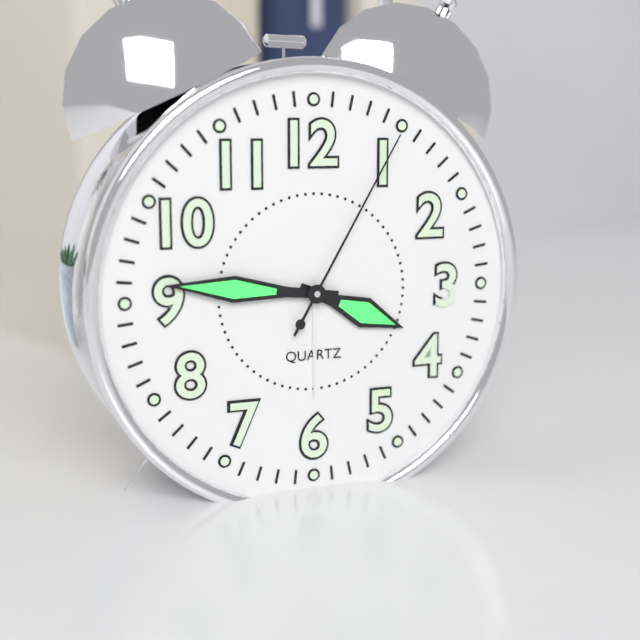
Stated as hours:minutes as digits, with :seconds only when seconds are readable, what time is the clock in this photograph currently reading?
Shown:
3:46:05
